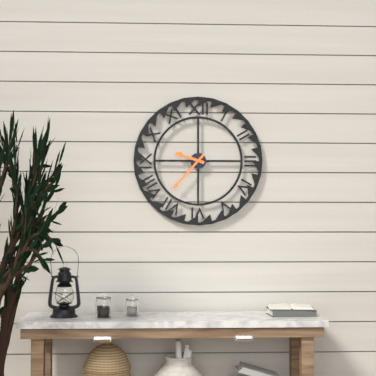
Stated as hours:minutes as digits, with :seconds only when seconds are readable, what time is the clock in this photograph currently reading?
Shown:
9:37
